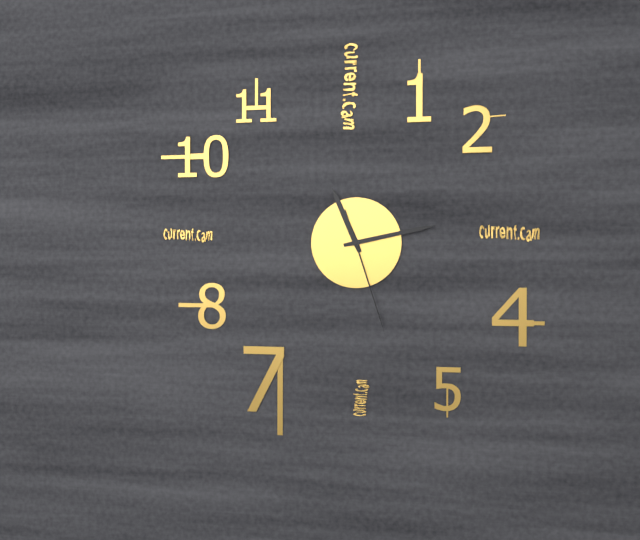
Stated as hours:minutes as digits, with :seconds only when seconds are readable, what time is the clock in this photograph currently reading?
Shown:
11:13:27
